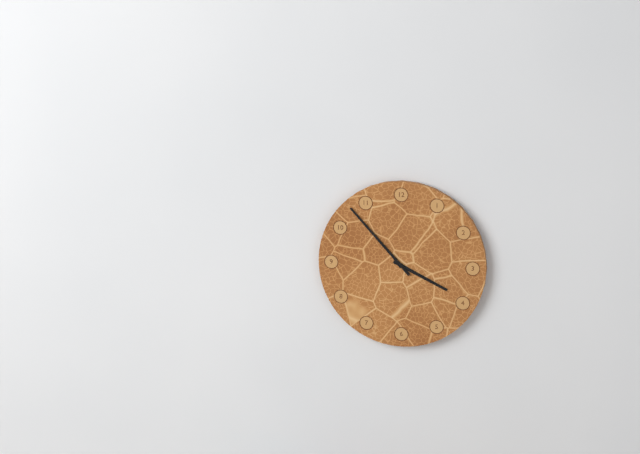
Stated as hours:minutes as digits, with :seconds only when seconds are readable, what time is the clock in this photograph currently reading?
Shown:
3:53
